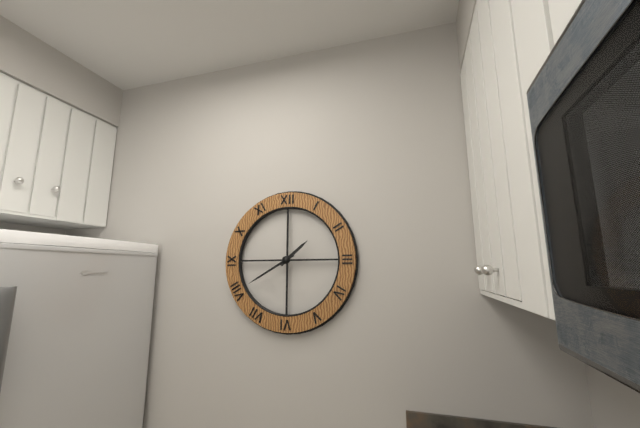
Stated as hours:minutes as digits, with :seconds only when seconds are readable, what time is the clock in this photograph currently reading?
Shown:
1:40
